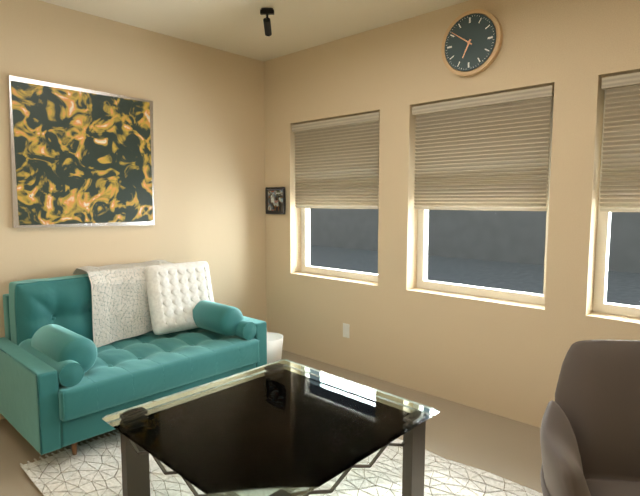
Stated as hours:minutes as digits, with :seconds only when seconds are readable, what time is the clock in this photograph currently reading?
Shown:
6:51
